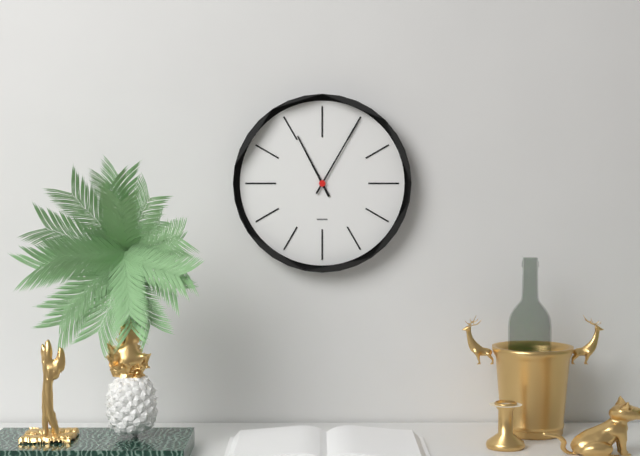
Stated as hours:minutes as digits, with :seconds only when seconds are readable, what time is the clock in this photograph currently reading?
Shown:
11:05
